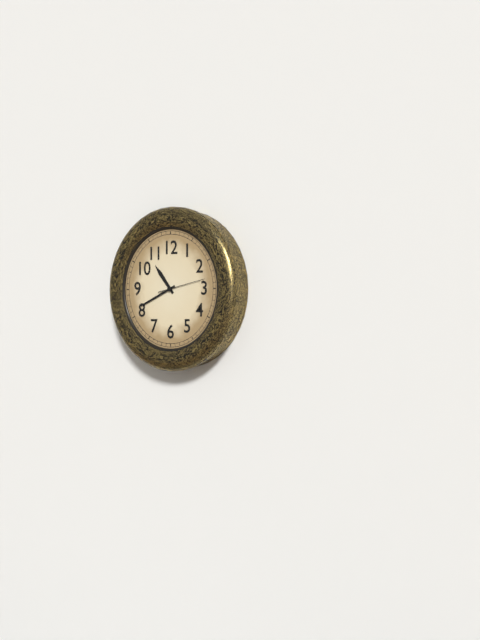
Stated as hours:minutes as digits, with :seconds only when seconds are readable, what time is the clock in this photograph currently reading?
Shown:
10:41
